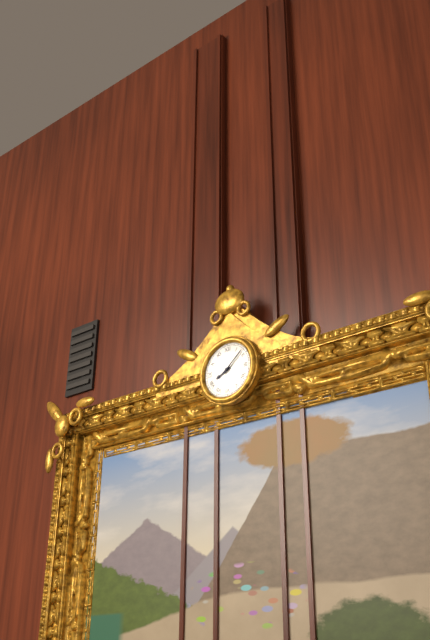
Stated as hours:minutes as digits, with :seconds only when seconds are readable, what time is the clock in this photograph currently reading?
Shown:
8:08
